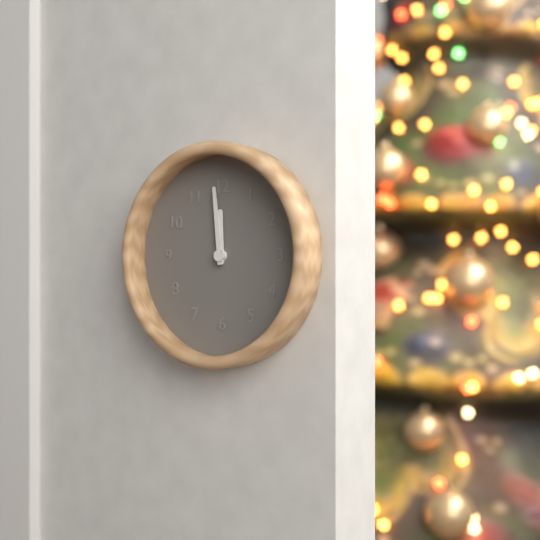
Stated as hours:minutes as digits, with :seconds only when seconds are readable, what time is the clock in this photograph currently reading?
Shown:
11:59
